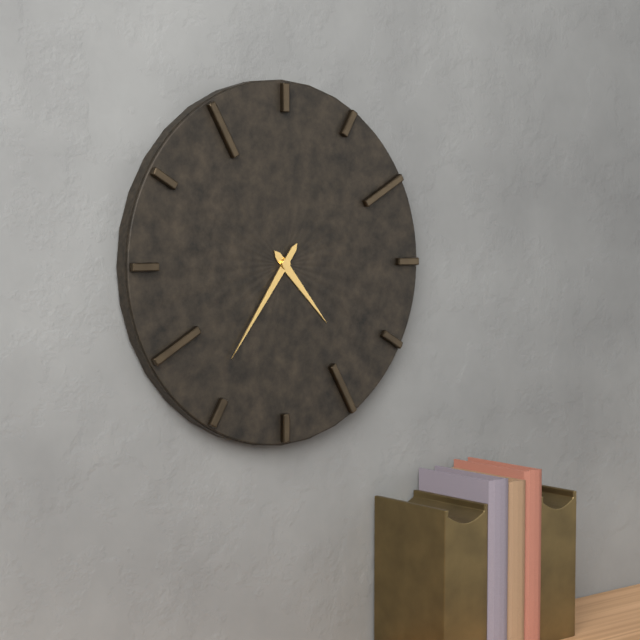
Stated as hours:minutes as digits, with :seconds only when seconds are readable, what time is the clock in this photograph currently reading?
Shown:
4:36
